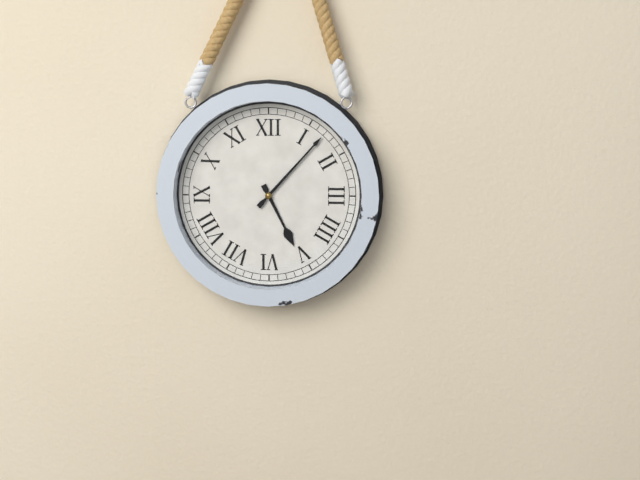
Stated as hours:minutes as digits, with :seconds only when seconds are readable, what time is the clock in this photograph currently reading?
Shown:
5:07
